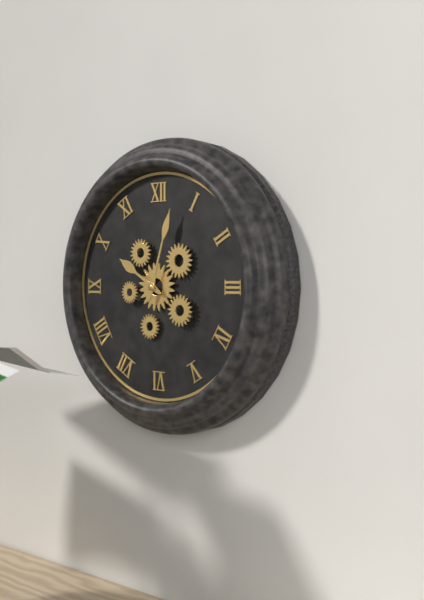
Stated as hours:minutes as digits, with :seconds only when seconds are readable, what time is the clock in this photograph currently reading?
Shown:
10:03
